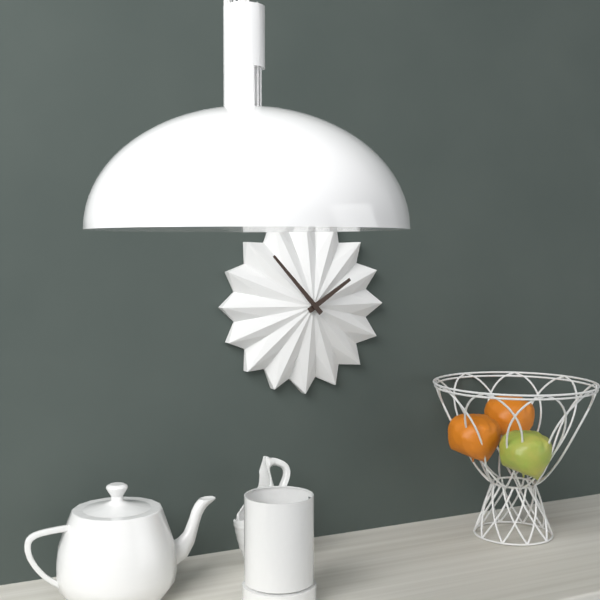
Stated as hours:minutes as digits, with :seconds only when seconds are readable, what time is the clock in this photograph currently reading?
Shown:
1:53
